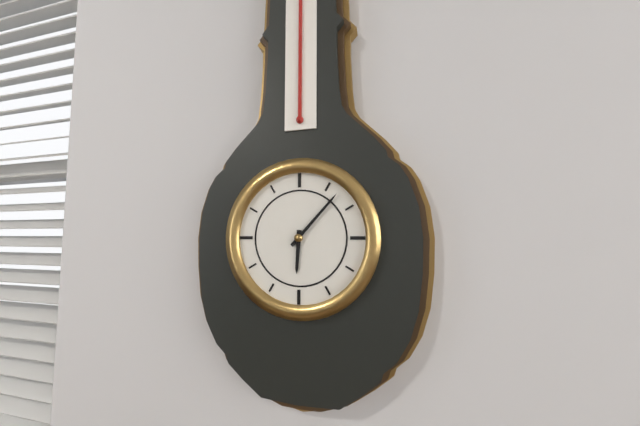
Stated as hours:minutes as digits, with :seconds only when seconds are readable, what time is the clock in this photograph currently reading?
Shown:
6:07
